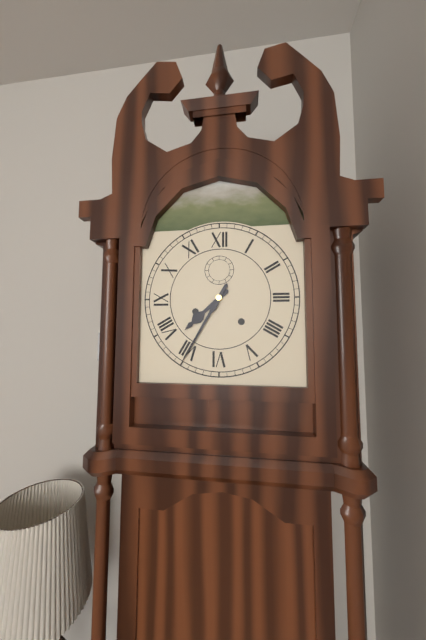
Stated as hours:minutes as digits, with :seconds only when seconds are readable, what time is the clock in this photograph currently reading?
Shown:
7:35
